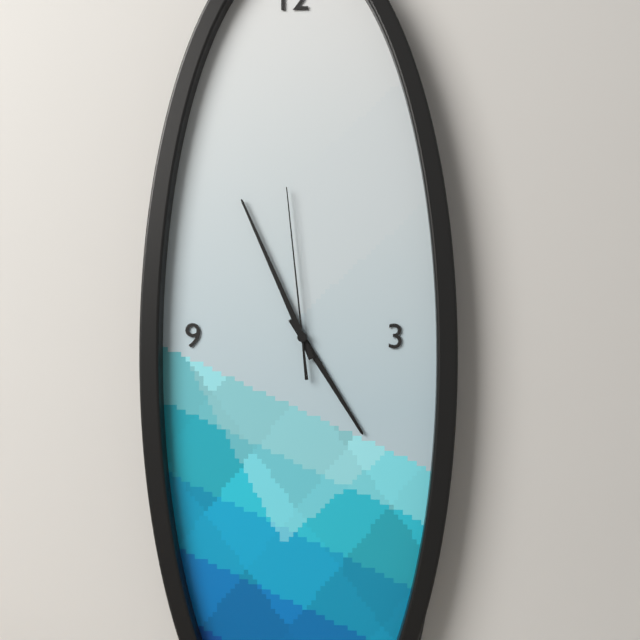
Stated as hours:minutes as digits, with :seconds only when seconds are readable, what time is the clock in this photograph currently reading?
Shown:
4:56:59
